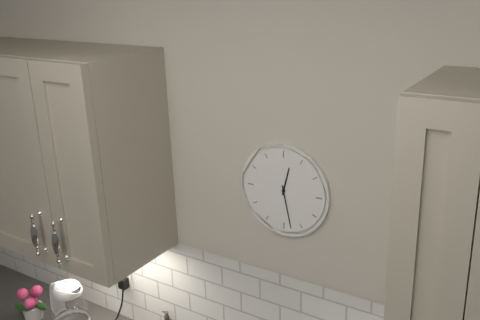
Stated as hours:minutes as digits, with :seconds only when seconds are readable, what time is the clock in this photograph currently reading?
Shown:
12:28
